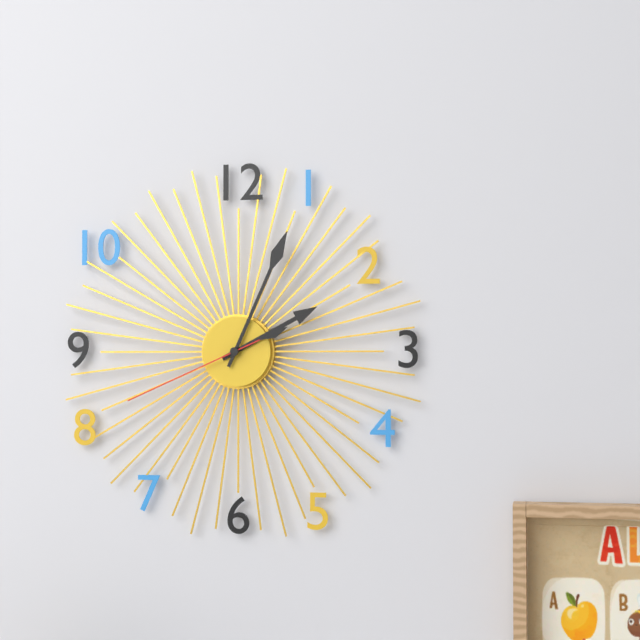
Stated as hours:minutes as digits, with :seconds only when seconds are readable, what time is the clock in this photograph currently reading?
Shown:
2:04:41
